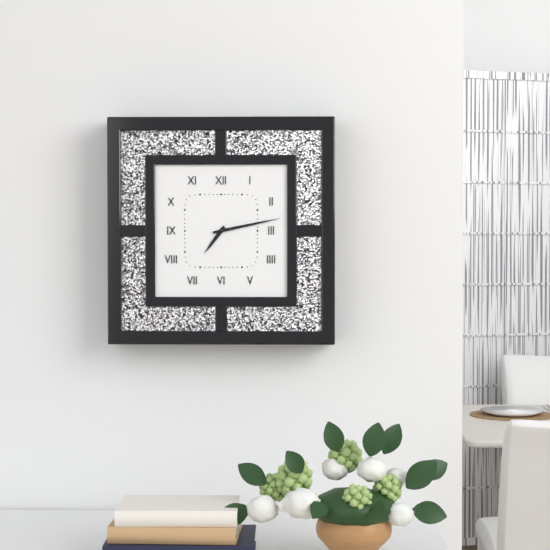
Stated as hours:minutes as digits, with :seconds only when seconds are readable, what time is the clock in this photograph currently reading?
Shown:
7:13
